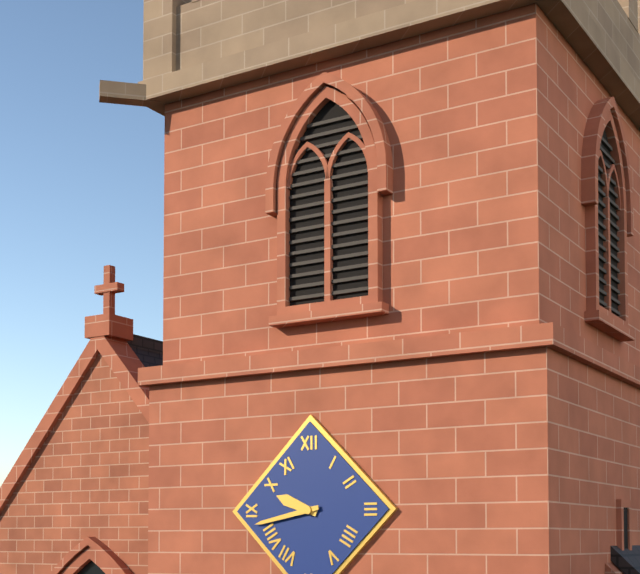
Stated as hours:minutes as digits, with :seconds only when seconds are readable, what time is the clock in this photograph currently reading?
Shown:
9:43
